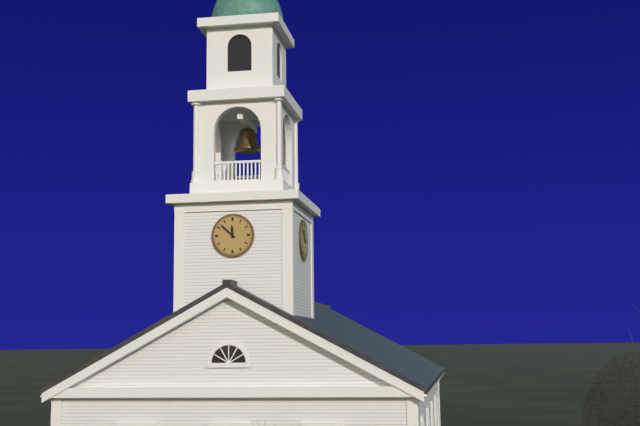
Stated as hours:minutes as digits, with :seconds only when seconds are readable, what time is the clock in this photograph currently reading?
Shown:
11:52
